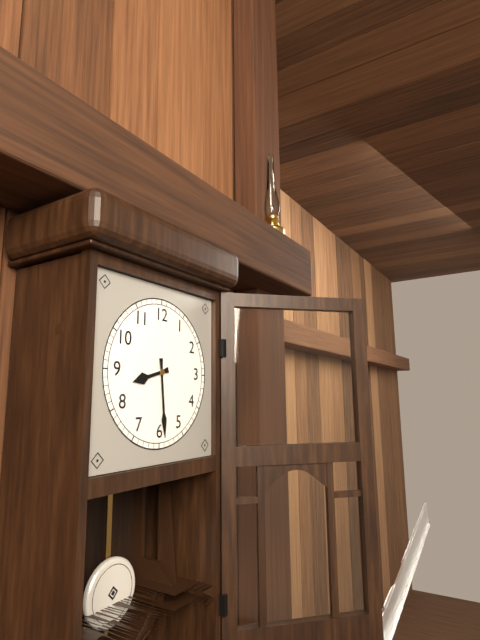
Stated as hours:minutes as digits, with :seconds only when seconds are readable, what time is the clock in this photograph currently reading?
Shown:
8:29
